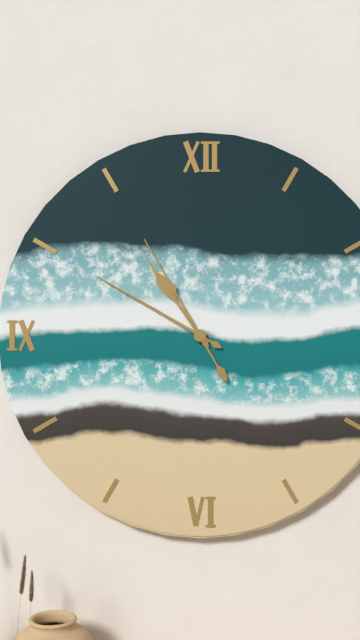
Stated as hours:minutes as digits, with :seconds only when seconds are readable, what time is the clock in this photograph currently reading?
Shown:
10:50:55
